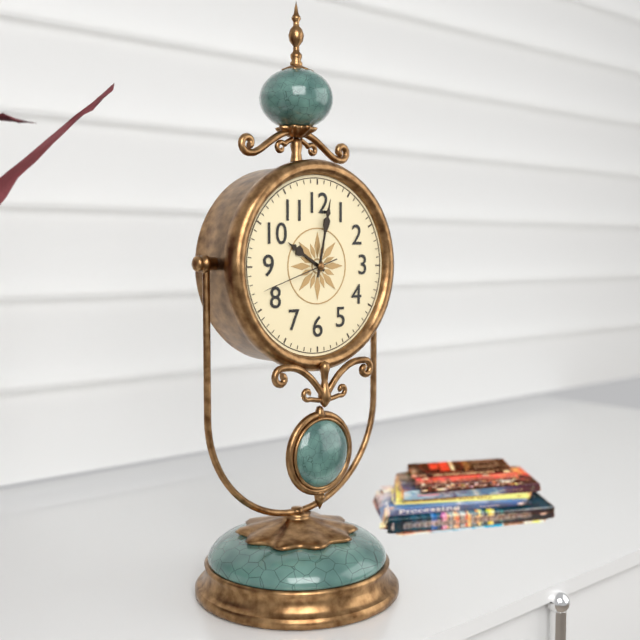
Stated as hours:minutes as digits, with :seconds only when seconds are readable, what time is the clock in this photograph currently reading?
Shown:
10:02:42
